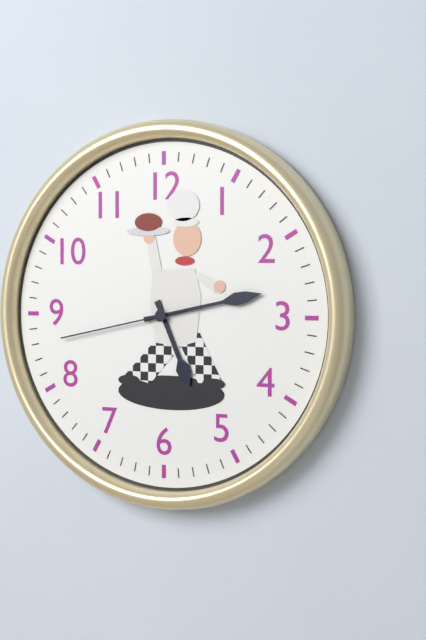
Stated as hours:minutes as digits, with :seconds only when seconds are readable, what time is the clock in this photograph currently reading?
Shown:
5:13:43
